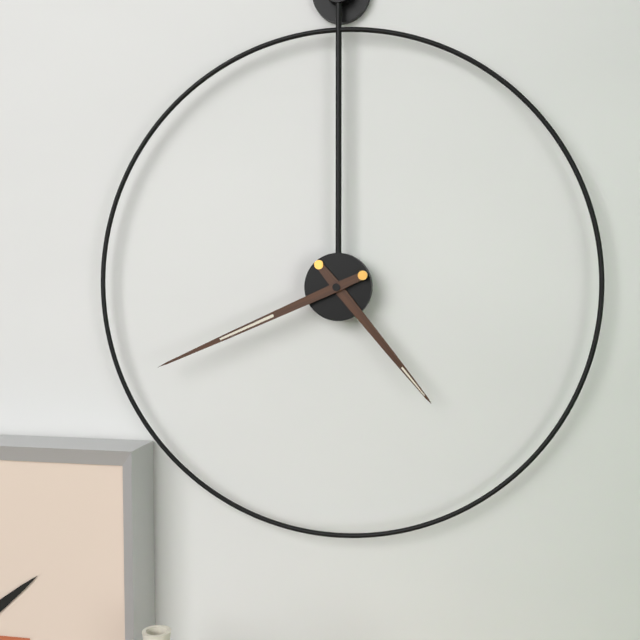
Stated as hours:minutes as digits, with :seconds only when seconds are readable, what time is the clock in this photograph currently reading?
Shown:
4:41
